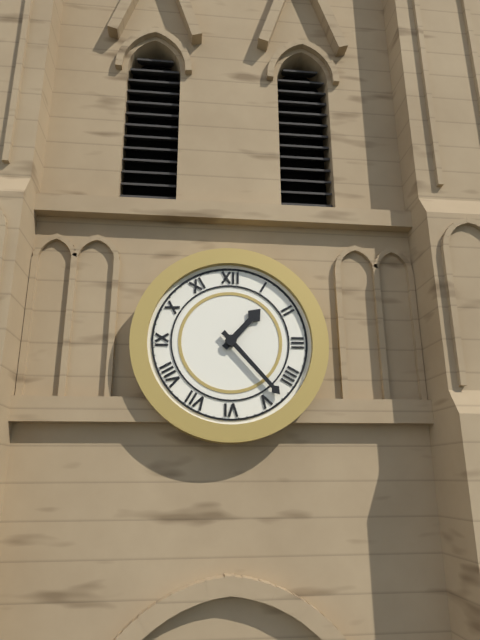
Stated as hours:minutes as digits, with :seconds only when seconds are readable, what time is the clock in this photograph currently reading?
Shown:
1:23
